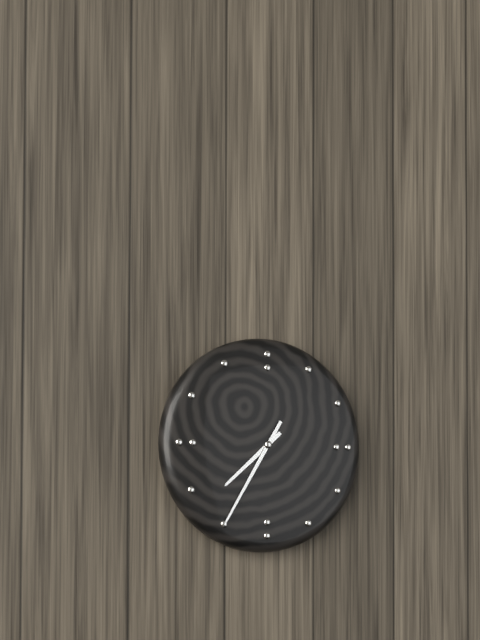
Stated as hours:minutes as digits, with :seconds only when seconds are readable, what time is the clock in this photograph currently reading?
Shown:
7:35
